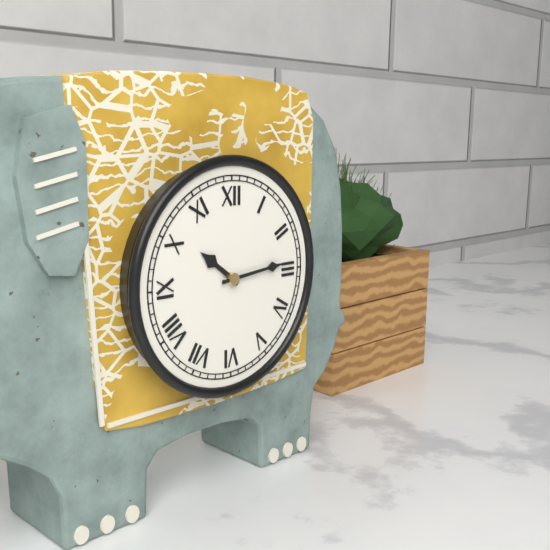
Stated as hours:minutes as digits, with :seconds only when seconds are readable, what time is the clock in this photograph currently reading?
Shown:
10:14
